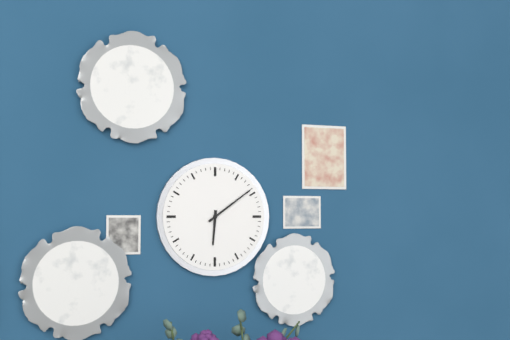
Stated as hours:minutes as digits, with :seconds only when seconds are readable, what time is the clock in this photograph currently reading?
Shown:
6:09
